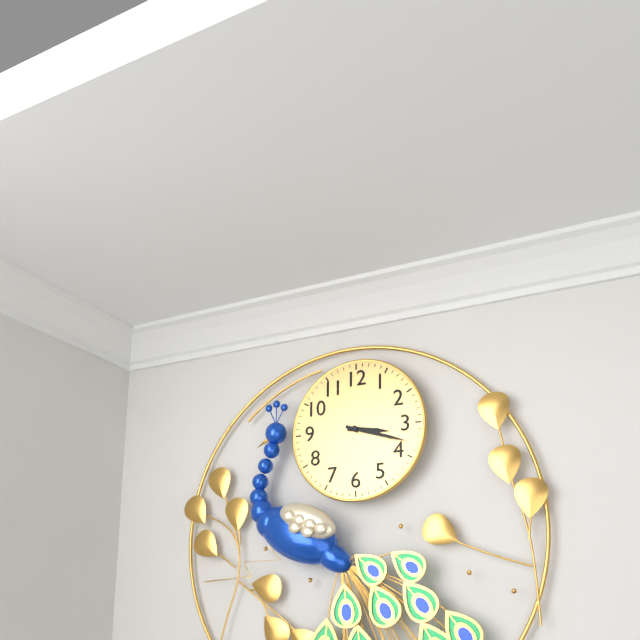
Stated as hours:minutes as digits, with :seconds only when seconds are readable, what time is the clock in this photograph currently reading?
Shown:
3:18
